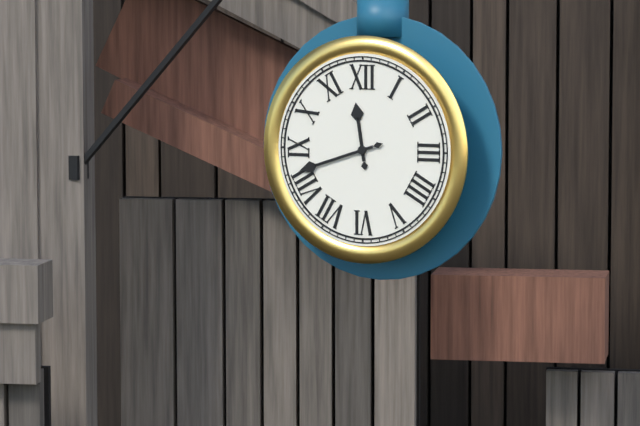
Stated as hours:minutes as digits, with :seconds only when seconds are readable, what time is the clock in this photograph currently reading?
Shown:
11:42
